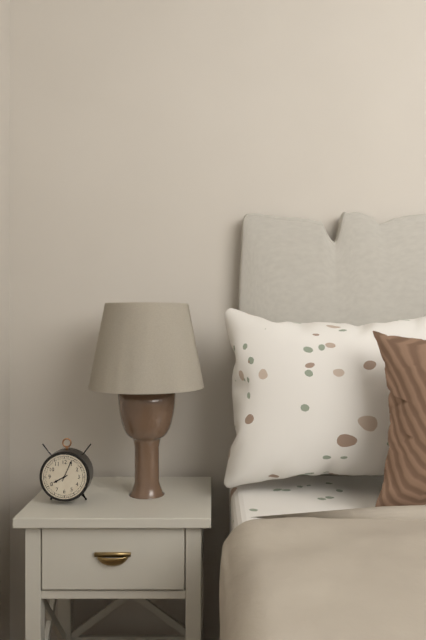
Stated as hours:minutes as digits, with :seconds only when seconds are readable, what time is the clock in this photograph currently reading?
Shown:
8:04
